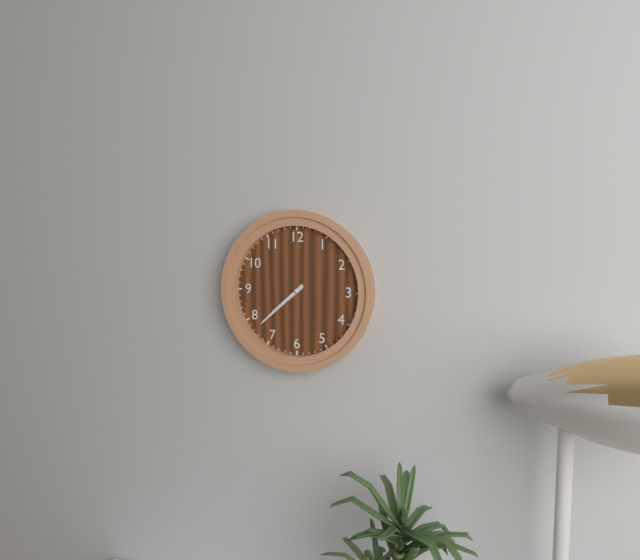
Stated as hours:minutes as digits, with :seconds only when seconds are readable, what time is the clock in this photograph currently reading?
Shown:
7:38
